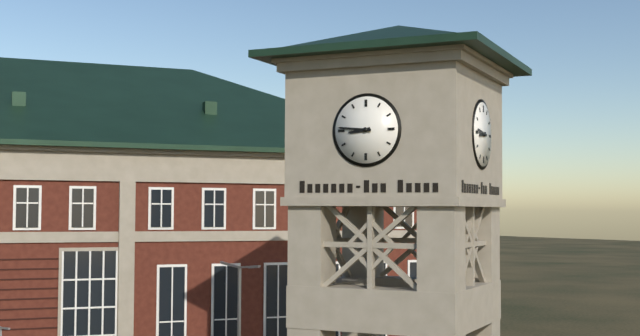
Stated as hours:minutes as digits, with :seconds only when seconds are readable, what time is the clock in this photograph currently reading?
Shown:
8:46
